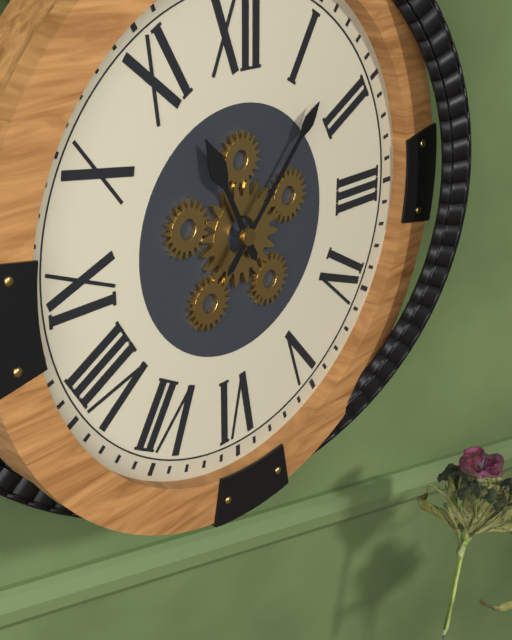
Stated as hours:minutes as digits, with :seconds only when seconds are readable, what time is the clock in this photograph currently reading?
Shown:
11:07
